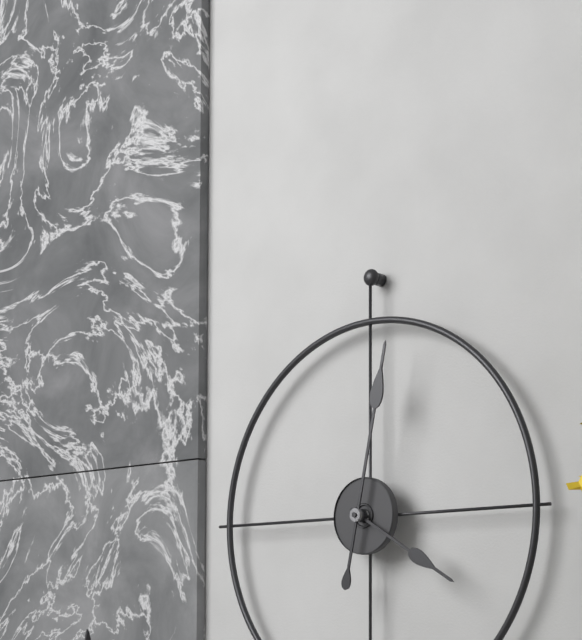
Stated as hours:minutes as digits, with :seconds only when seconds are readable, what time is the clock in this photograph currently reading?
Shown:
4:02
